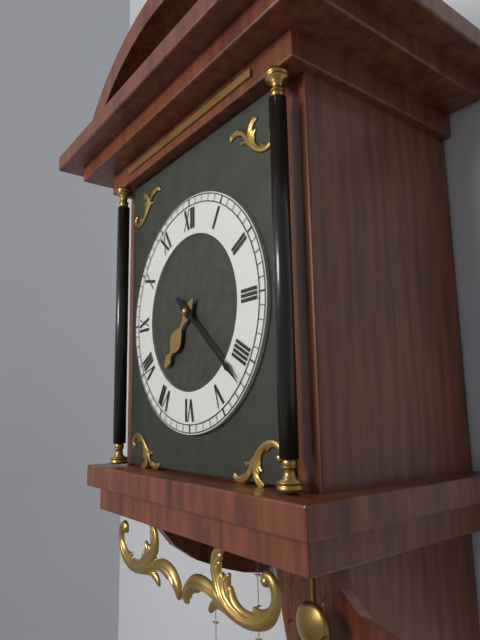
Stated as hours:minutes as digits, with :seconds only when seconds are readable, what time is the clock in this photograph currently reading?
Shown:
7:22
